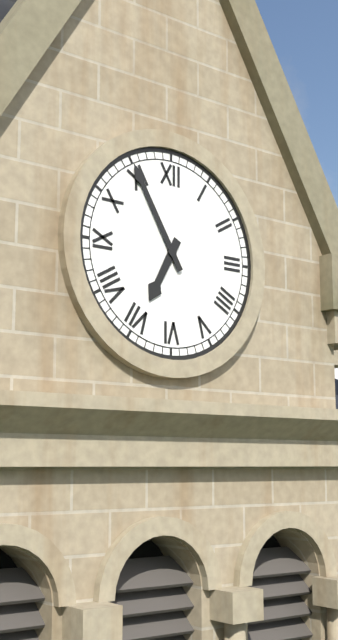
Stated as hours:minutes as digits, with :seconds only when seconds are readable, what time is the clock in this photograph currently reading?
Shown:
6:55
